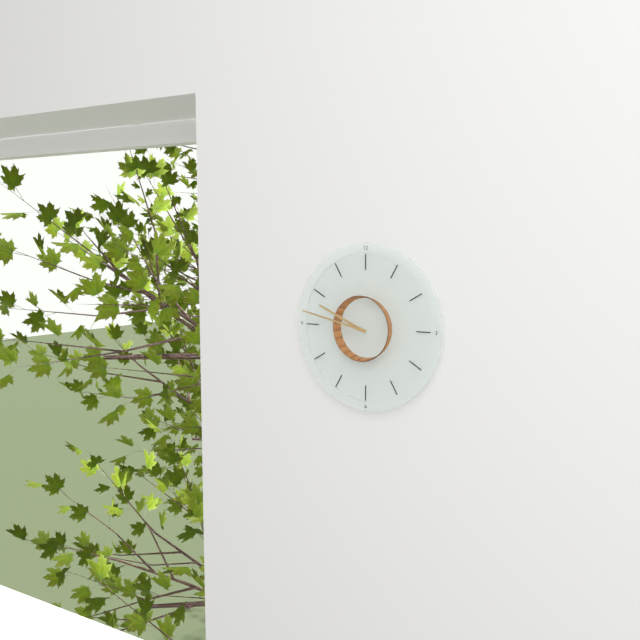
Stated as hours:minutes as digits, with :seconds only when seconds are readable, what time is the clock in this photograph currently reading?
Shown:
9:47
